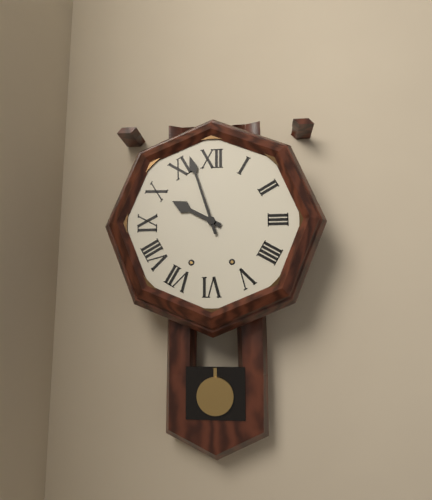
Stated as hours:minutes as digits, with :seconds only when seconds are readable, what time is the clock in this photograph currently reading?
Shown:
9:57
